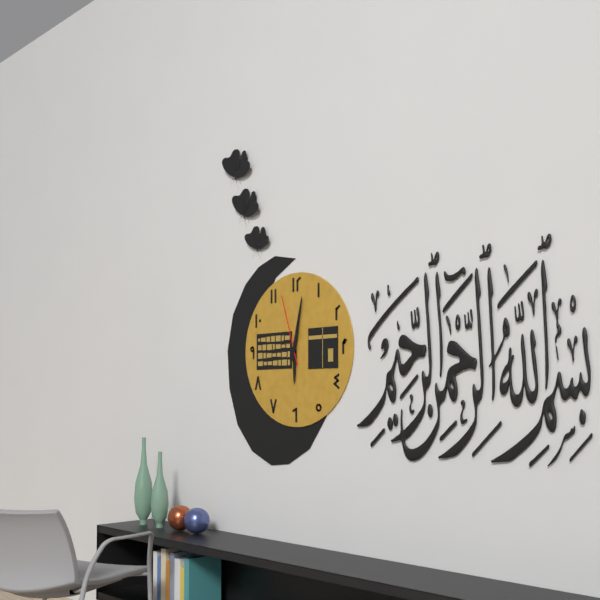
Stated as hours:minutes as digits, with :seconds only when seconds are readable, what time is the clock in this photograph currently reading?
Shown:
6:02:57
